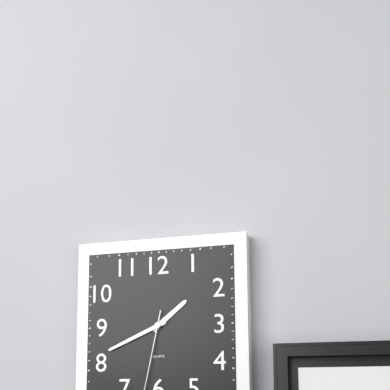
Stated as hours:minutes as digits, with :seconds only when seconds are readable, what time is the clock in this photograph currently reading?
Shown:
1:41
